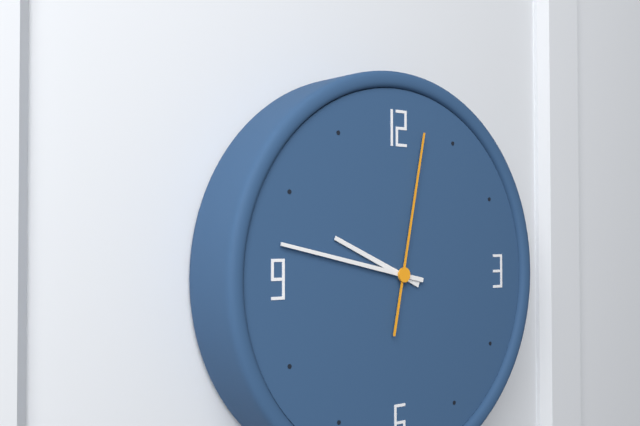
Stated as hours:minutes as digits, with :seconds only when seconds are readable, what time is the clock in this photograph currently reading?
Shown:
9:47:02
